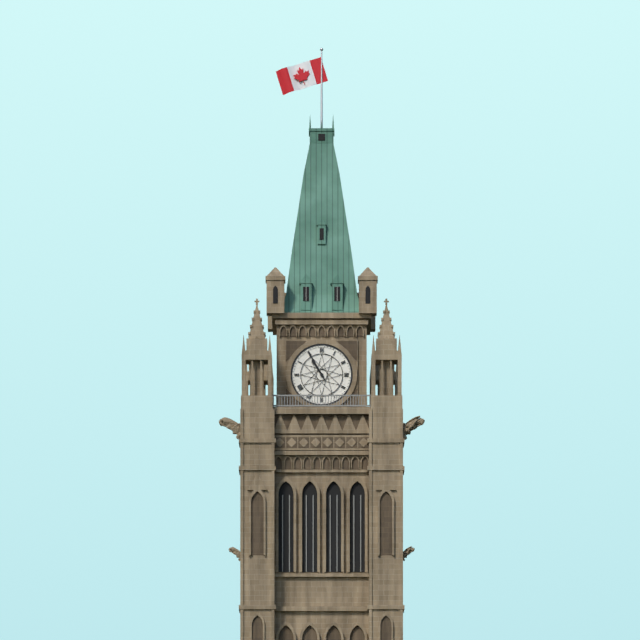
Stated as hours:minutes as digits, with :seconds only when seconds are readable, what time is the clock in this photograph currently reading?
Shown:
10:55
